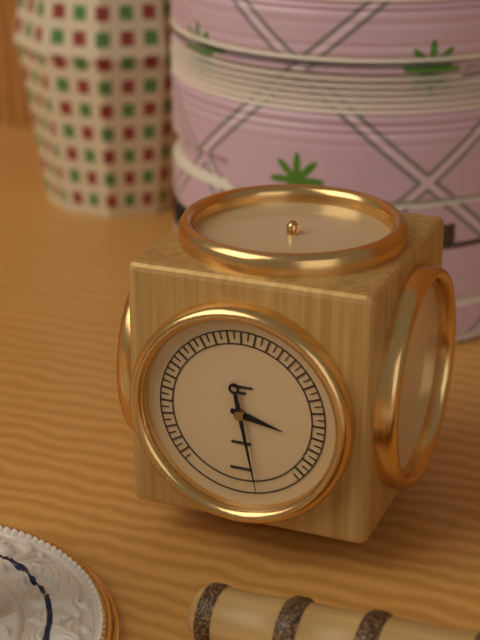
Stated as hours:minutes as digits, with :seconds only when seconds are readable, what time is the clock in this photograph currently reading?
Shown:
3:28
